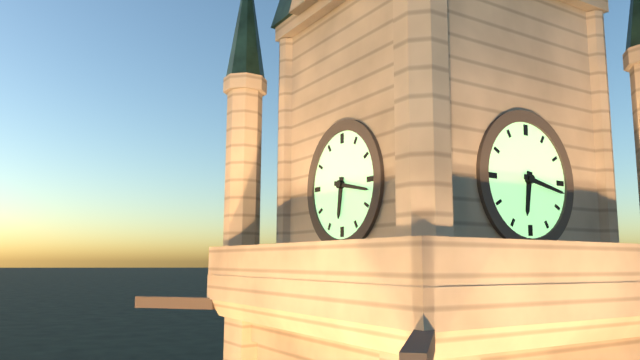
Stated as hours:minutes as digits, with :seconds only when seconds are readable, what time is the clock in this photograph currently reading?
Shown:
6:17
